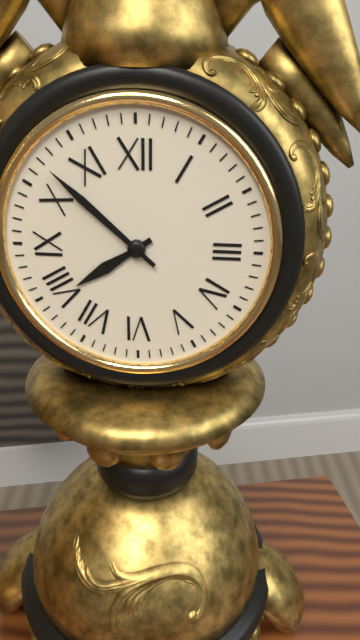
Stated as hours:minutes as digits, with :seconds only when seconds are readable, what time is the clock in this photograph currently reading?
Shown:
7:52
